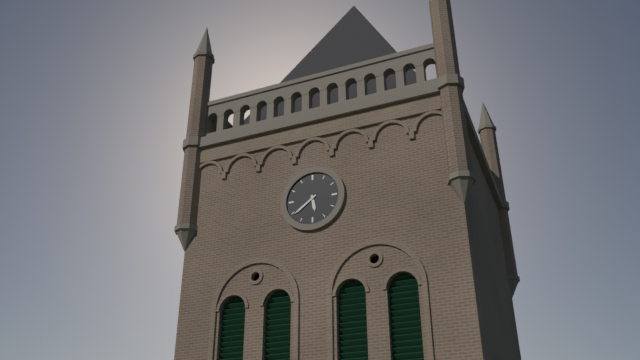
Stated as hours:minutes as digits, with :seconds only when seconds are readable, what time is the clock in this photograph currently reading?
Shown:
5:39
